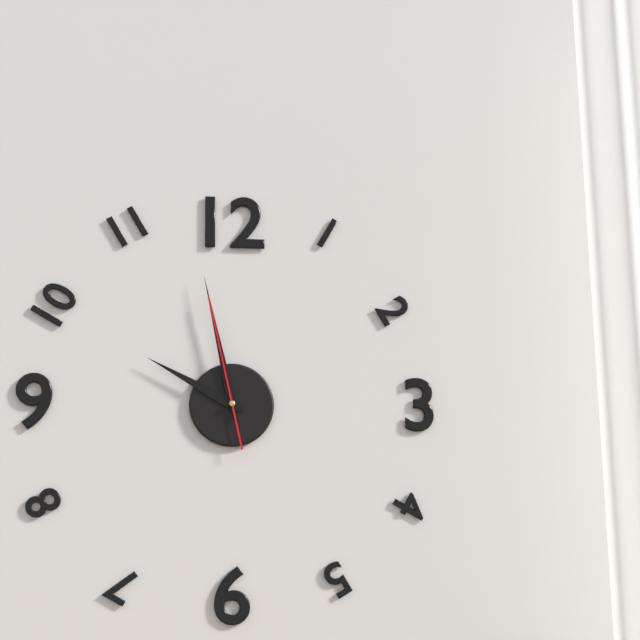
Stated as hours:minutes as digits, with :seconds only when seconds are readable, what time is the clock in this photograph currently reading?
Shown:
9:58:58
